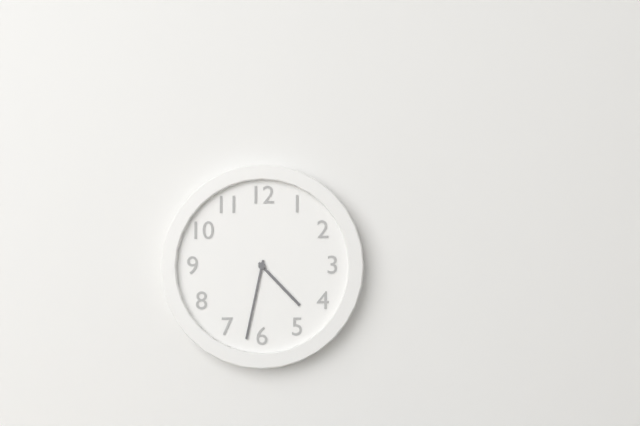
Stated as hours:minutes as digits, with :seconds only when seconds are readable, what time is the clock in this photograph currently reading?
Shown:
4:32
